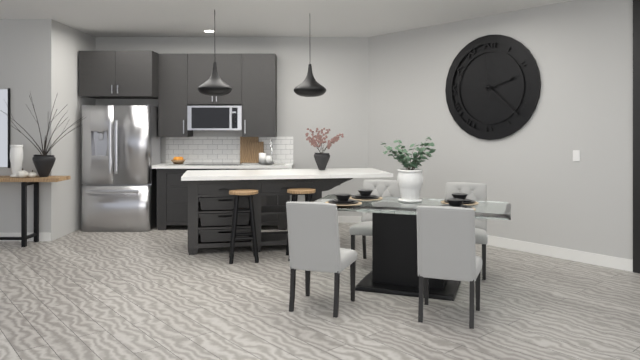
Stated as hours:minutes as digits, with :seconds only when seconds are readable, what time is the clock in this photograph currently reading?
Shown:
2:22:59
